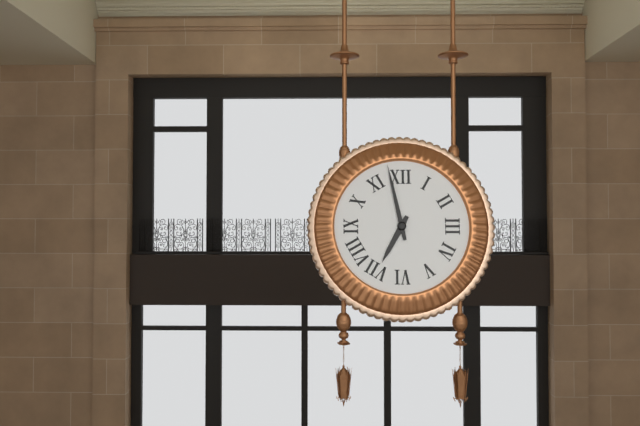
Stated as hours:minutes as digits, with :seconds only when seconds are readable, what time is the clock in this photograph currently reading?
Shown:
6:58
